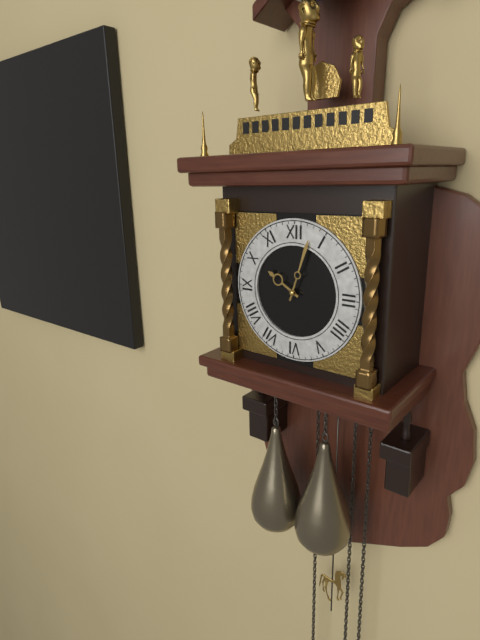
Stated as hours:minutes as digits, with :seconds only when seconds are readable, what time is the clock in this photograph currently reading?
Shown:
10:03
